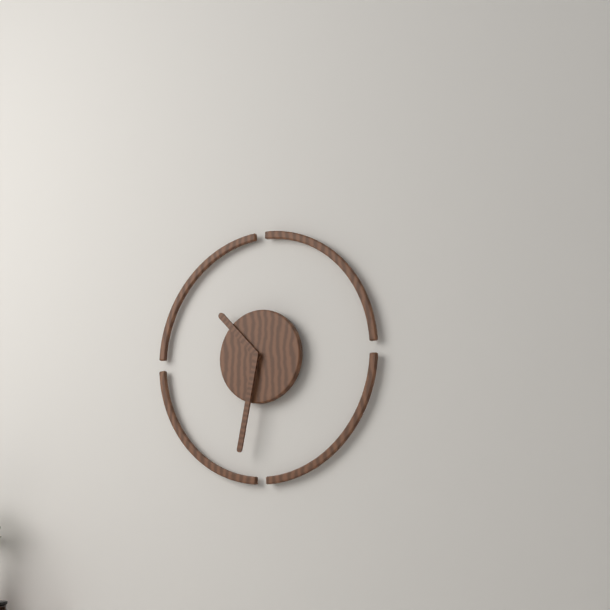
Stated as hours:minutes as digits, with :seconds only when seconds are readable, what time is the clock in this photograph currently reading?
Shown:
10:32
